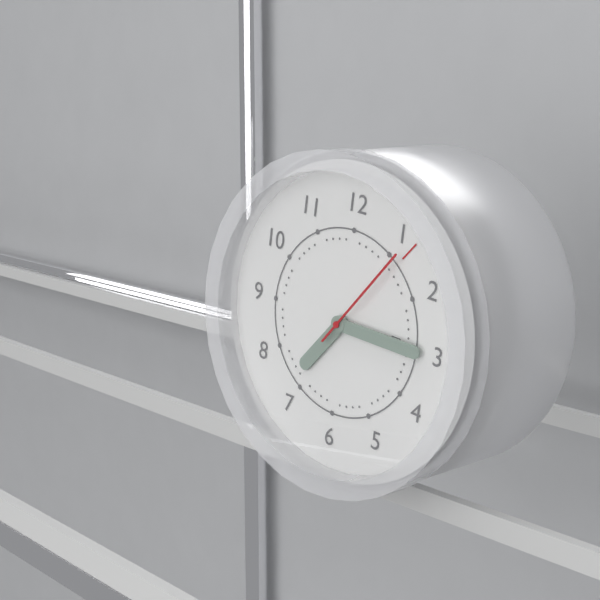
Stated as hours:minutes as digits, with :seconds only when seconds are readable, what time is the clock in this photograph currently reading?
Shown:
7:15:06
